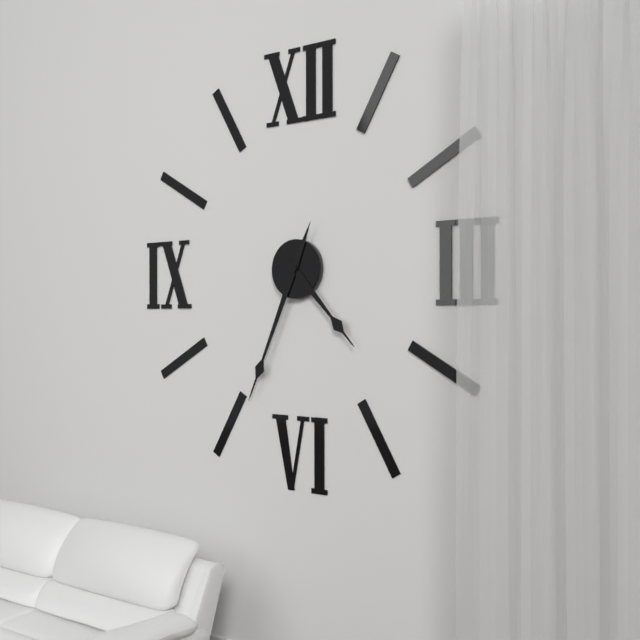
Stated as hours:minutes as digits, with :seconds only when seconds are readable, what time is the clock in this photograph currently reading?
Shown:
4:34
